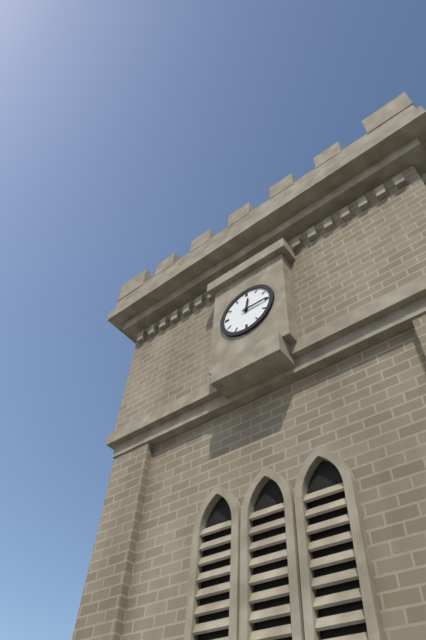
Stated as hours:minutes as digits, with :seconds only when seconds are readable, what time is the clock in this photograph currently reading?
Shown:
12:15
